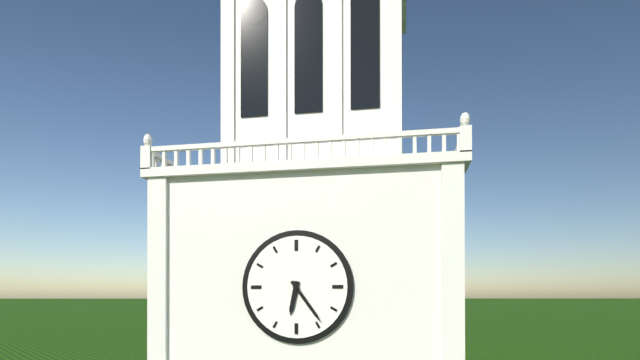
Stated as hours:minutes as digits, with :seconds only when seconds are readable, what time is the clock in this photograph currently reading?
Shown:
6:24
